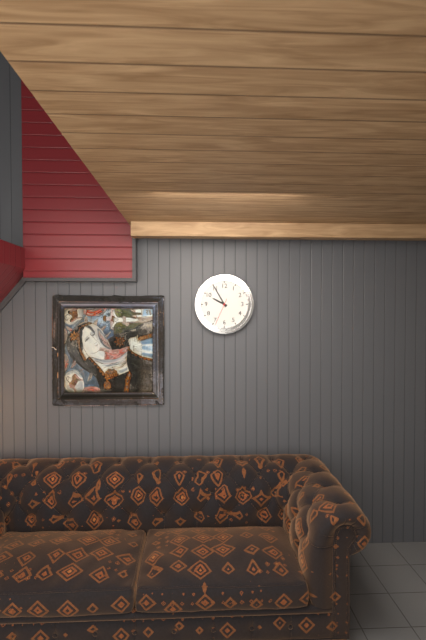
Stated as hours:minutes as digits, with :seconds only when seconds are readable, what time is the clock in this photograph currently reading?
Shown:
9:55
